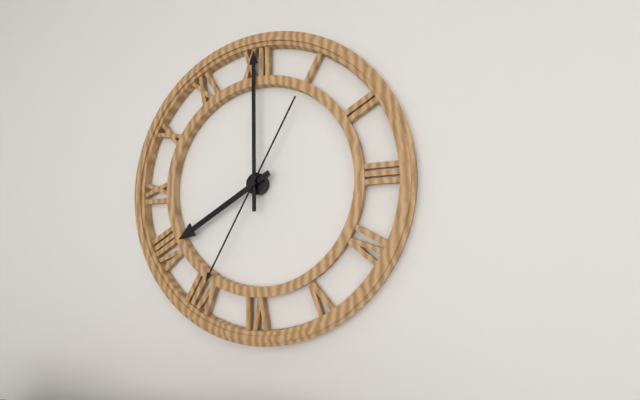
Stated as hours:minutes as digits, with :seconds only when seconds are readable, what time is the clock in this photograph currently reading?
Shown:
8:00:35
